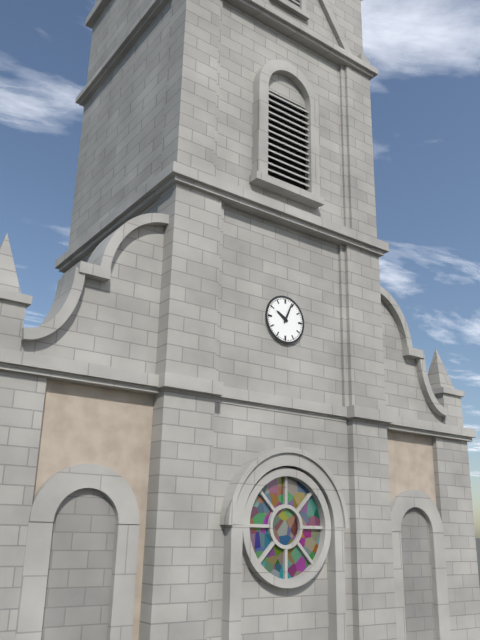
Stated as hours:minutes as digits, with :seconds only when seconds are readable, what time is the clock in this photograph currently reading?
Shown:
10:04
